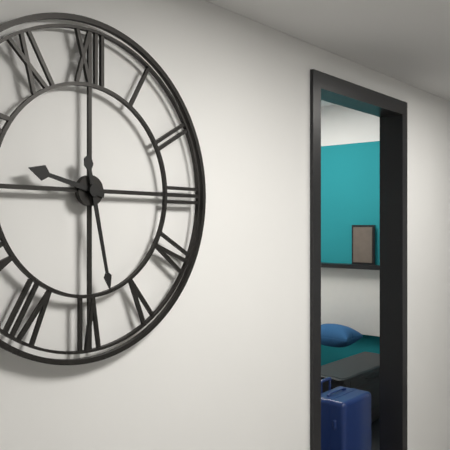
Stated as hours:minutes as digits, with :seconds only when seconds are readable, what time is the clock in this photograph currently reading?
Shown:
9:28
